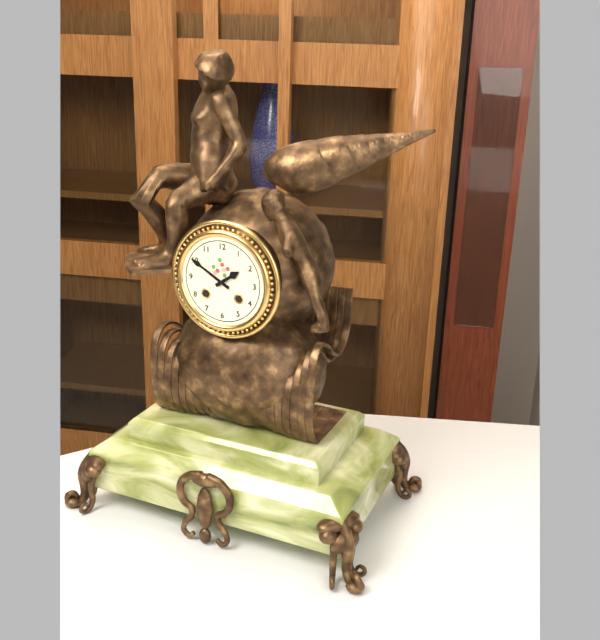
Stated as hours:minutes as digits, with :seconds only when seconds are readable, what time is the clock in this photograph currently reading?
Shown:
1:50
